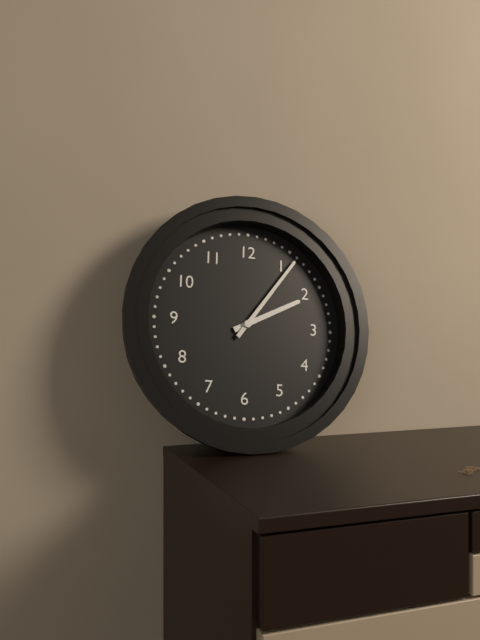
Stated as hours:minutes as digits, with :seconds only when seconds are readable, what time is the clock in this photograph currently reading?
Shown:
2:06
